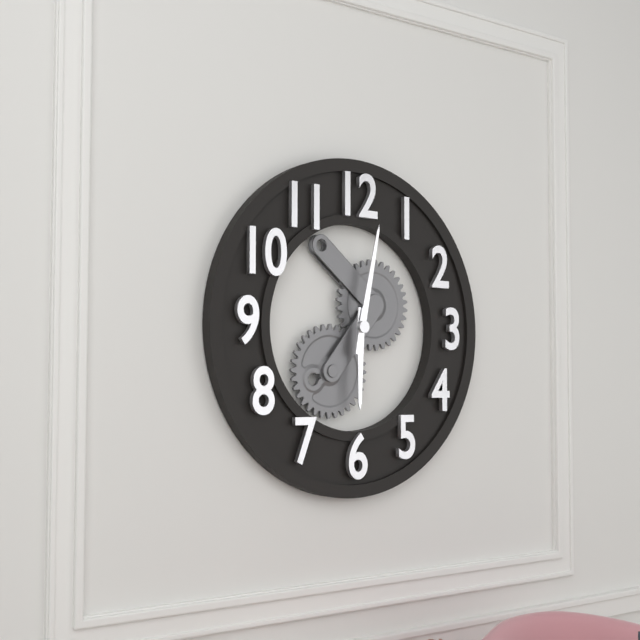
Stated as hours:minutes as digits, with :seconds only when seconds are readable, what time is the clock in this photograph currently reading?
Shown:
6:02
